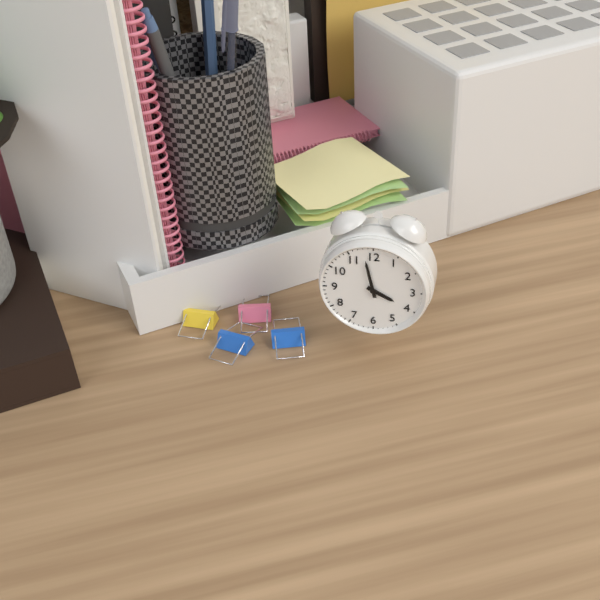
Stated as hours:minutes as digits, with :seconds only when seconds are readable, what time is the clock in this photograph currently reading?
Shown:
3:58
